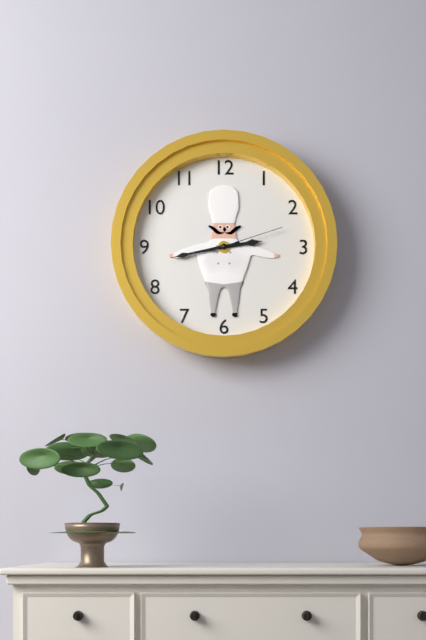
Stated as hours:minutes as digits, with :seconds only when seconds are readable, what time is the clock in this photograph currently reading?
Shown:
2:43:12
